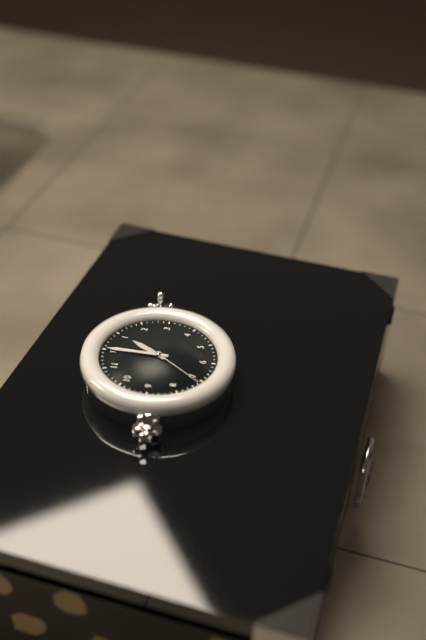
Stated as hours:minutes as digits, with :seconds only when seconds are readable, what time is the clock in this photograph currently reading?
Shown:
1:00
